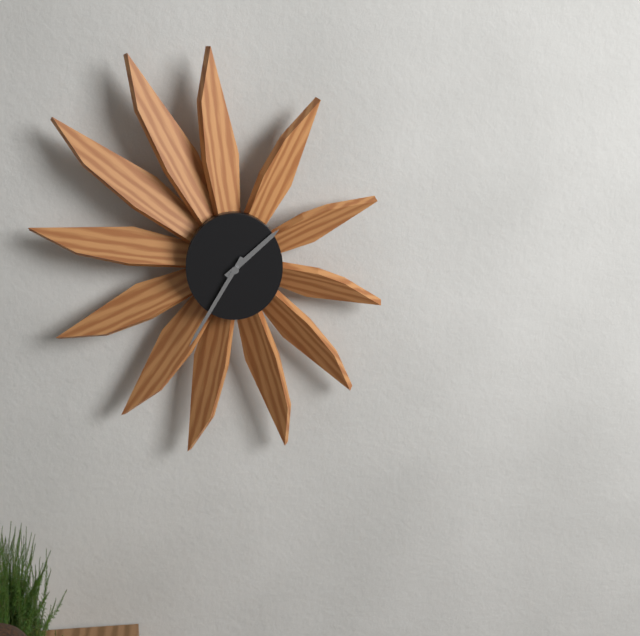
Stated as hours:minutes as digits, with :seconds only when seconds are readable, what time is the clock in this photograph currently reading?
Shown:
1:35
